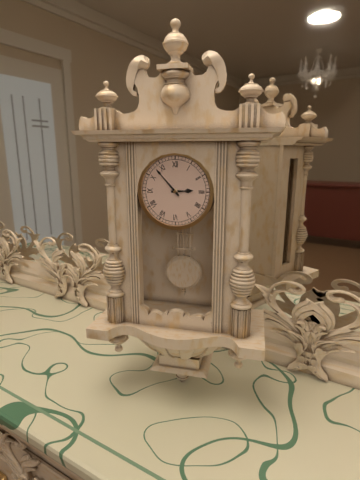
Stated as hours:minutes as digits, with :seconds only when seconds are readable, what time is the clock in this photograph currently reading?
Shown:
2:53
